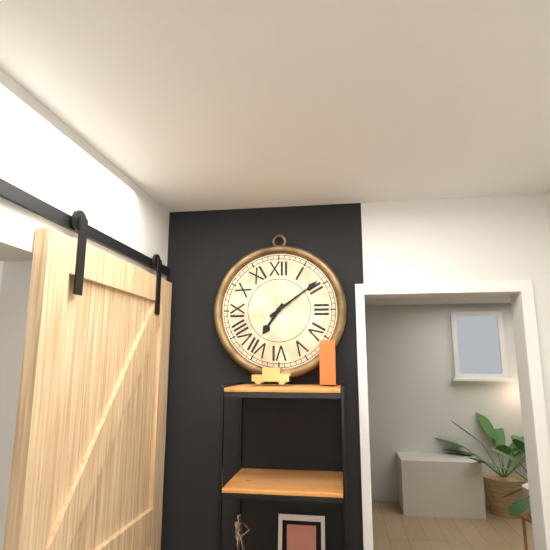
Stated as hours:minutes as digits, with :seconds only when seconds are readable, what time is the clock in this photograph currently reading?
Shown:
7:09
